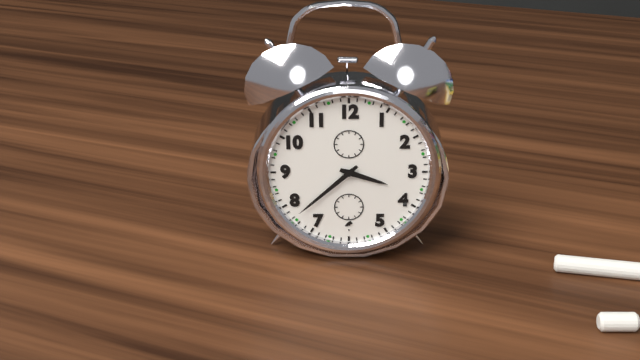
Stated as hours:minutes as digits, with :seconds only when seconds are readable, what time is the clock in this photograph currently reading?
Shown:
3:38
